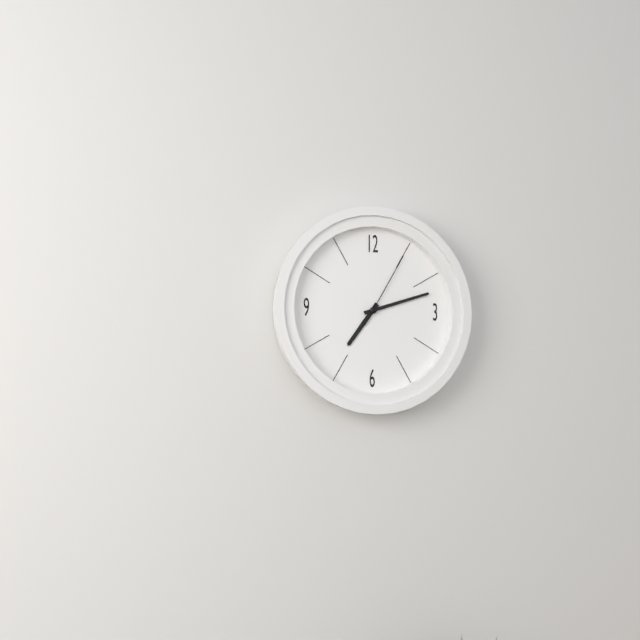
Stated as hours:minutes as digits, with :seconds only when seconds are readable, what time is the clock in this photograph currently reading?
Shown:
7:12:05
